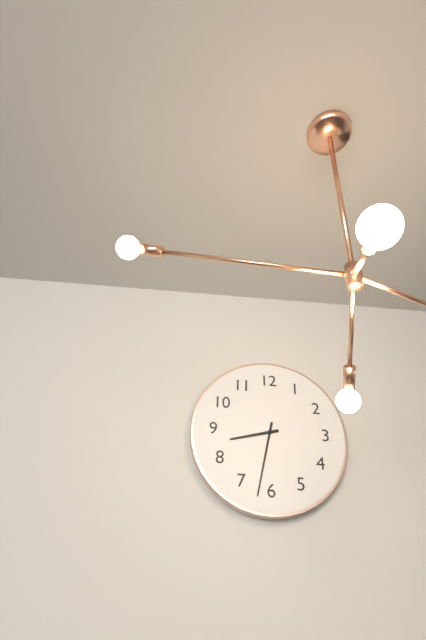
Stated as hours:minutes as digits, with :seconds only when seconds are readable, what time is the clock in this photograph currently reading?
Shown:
8:32
